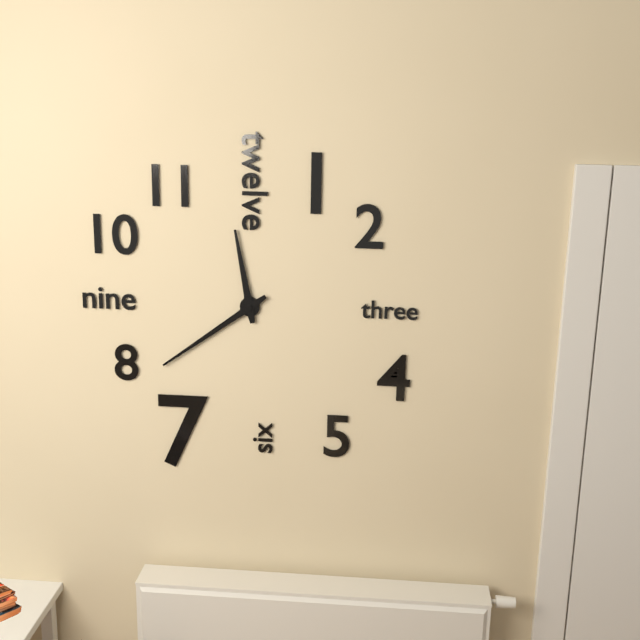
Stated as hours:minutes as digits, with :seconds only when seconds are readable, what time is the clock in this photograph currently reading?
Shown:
11:39
